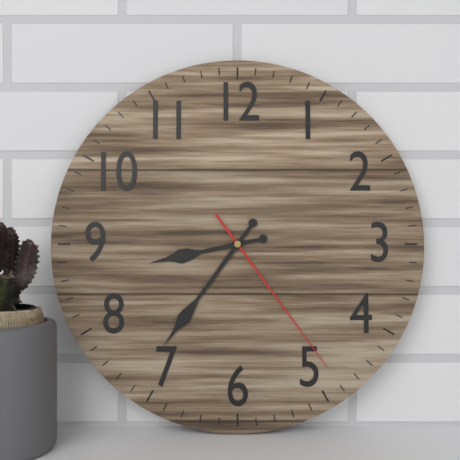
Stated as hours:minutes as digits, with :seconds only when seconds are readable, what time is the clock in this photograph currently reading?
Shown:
8:36:24
